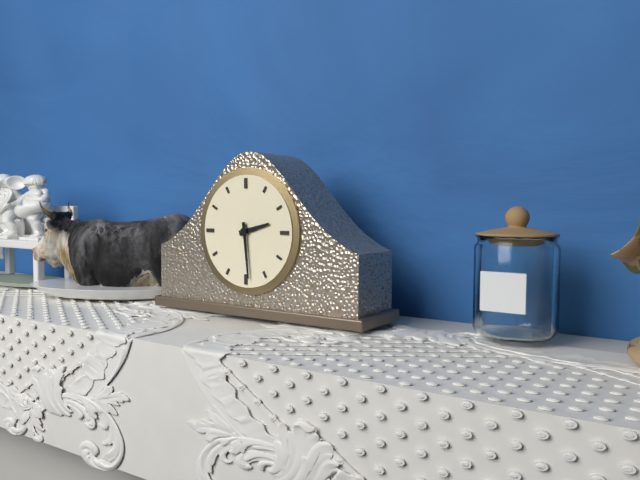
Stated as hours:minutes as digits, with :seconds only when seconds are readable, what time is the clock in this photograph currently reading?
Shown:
2:29
